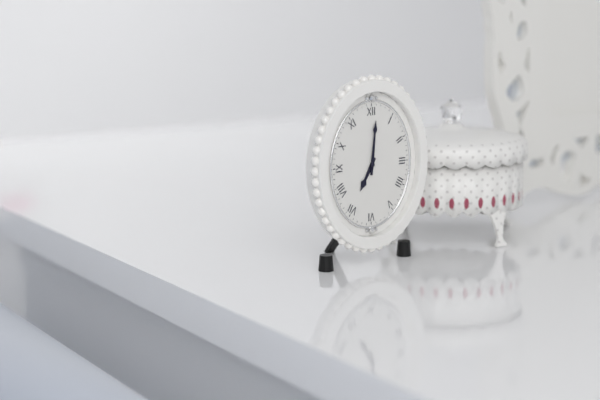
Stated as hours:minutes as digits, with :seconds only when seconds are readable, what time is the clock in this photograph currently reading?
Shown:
7:01
